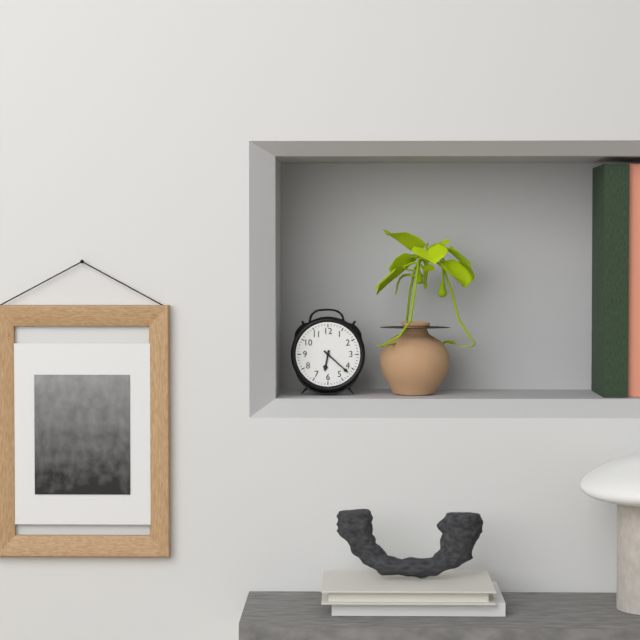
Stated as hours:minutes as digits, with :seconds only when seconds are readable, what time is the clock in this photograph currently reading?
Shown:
6:22
